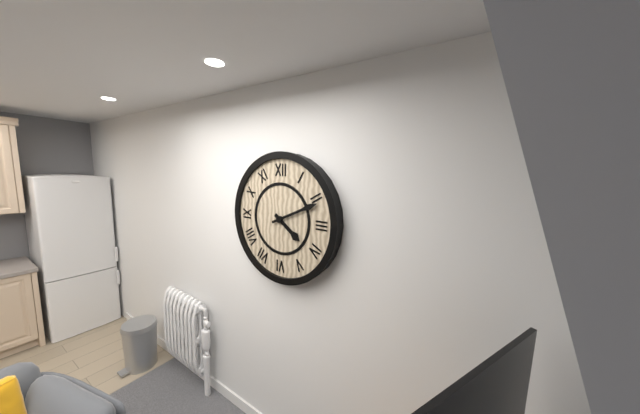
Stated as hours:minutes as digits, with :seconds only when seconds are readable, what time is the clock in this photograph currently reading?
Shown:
4:11
